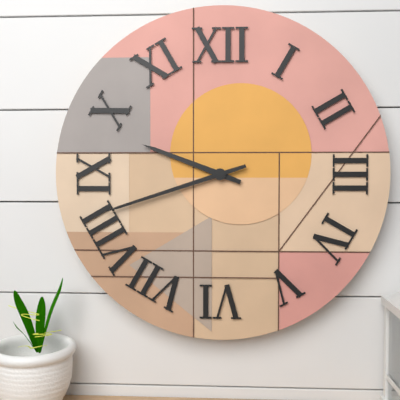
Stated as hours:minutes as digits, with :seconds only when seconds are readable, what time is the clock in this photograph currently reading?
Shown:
9:42
